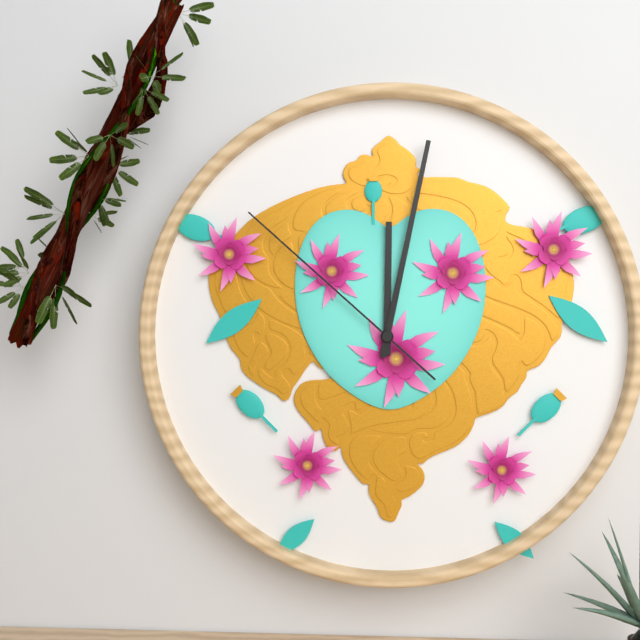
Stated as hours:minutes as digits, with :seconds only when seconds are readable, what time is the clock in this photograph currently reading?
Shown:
12:02:52
